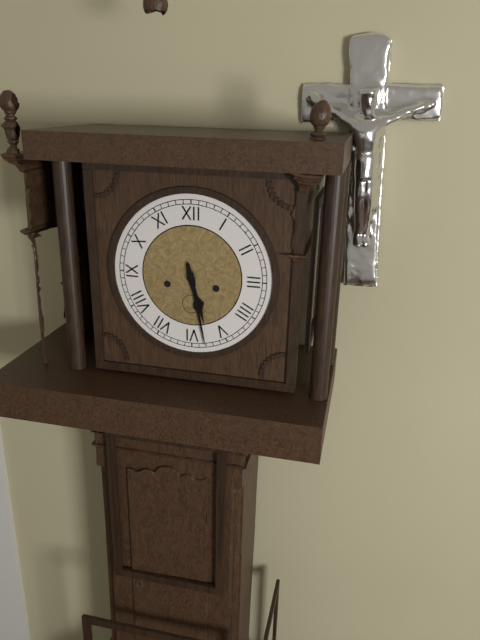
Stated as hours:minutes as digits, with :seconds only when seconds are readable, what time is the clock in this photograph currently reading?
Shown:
5:28
